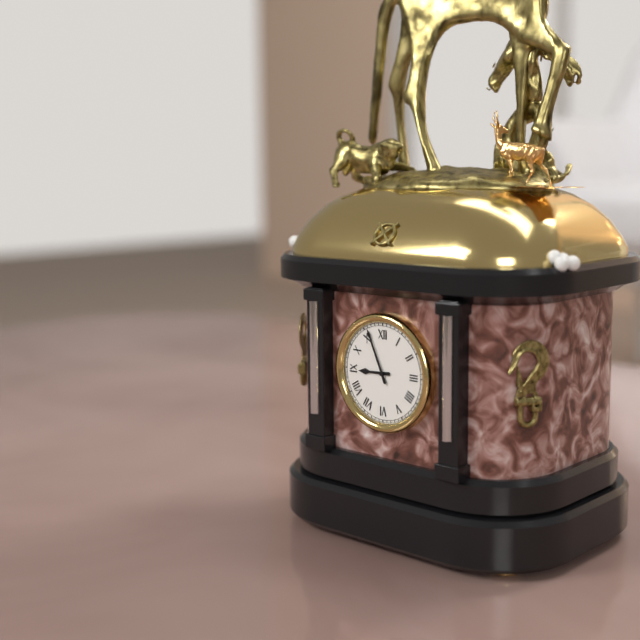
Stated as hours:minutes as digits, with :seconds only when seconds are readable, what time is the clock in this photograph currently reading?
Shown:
8:56
